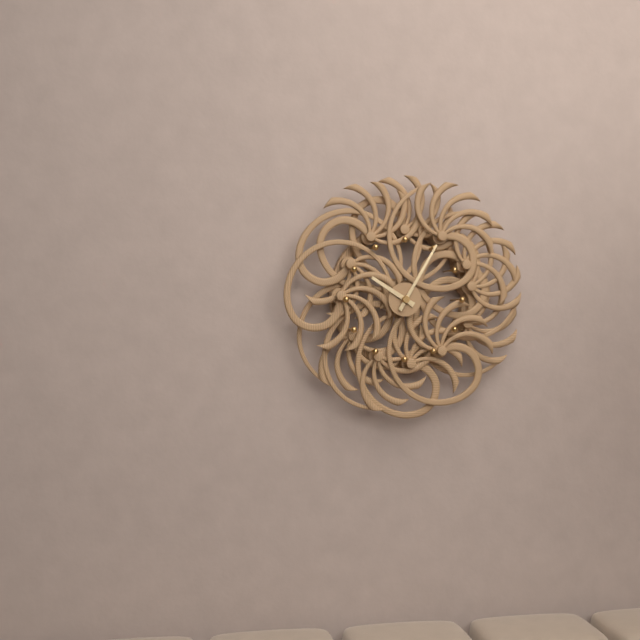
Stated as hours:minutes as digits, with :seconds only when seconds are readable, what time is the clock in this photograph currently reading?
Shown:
10:05
